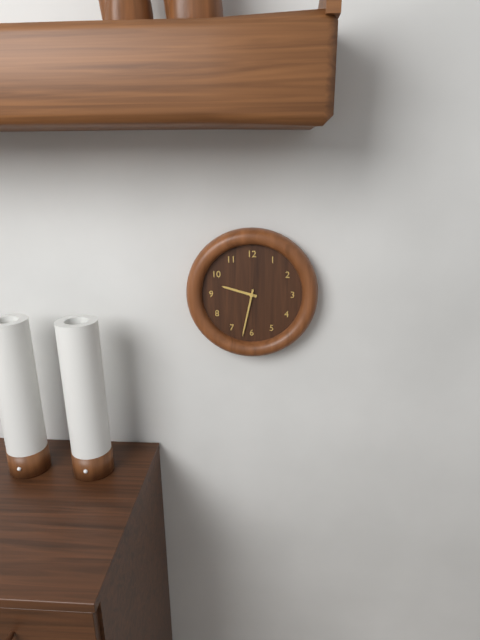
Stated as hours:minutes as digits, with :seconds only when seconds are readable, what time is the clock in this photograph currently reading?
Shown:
9:32
